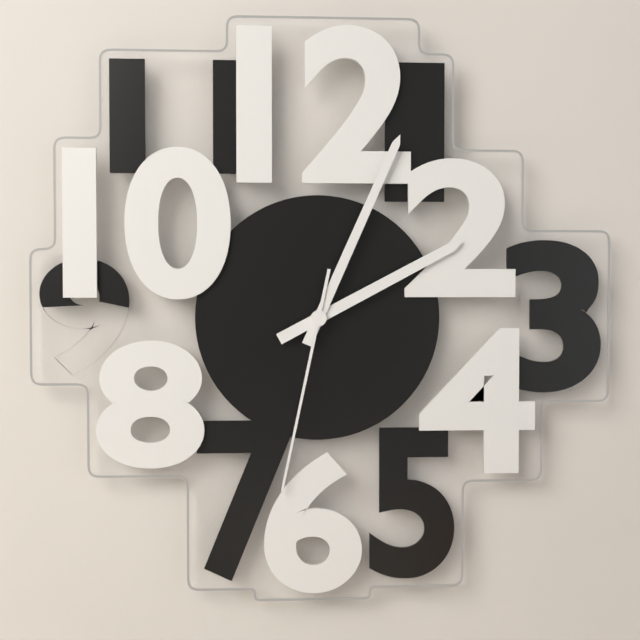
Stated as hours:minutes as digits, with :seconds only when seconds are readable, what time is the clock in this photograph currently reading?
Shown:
2:04:32
